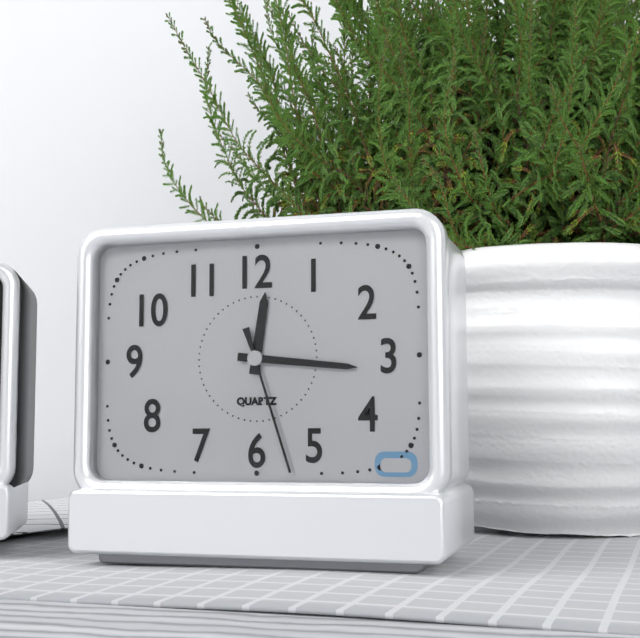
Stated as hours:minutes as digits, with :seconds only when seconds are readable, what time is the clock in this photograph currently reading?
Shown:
12:16:27
